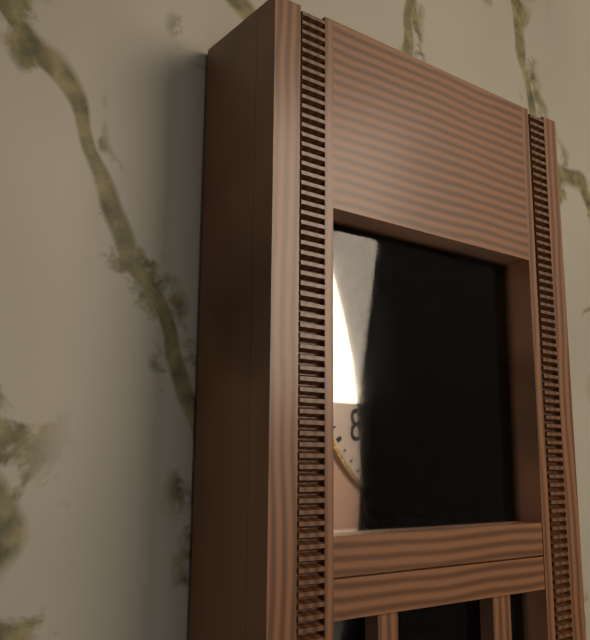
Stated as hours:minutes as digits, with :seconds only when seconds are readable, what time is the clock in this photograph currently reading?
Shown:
7:28
